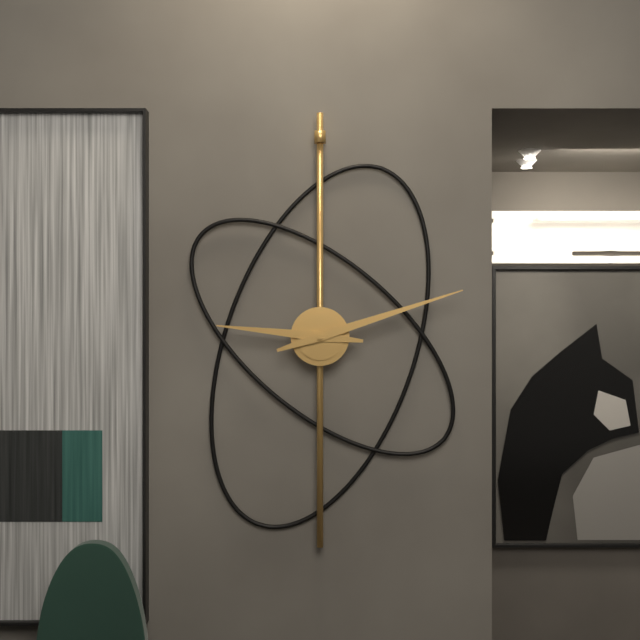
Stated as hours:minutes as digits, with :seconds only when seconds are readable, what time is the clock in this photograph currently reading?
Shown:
9:12
